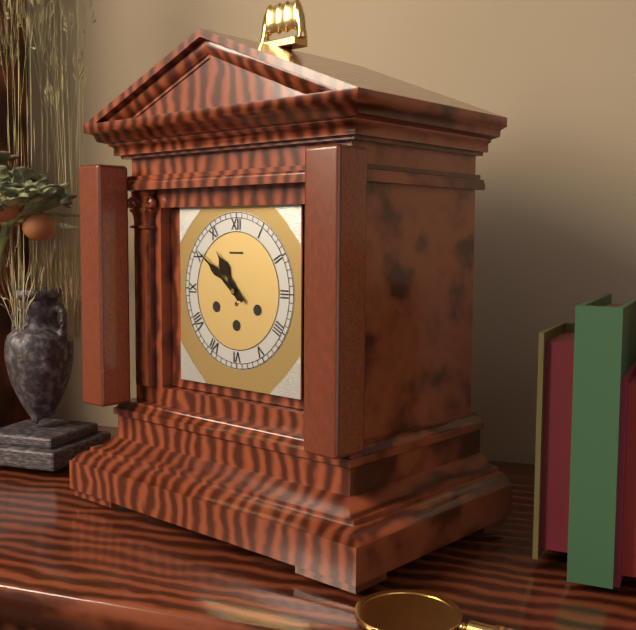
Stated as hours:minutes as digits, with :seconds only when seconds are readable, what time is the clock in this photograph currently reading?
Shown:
10:51
